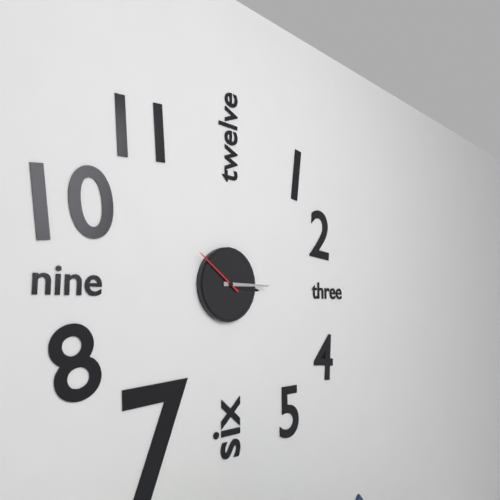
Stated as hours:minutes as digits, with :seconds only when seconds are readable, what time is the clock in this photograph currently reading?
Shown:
3:15:51
